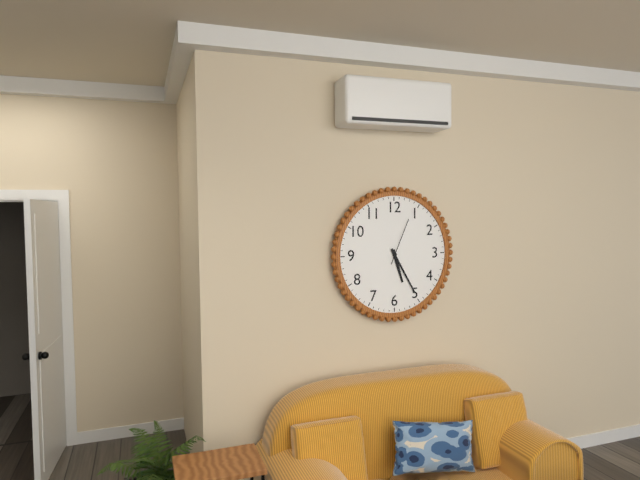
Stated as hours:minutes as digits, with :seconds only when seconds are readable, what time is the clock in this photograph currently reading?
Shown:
5:25
